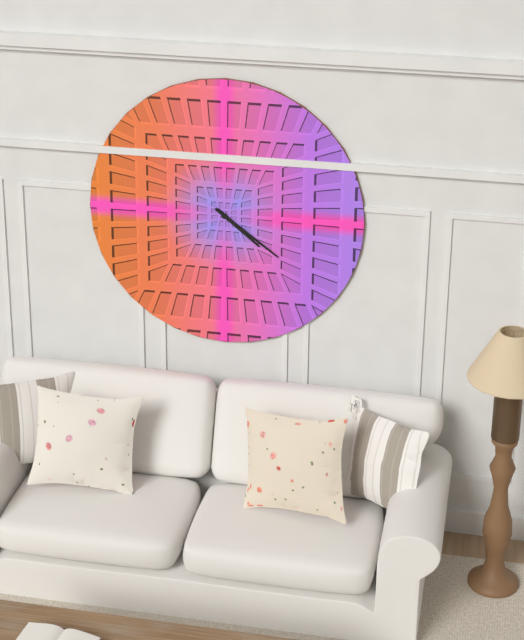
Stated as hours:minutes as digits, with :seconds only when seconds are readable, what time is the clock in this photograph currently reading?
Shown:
4:21
